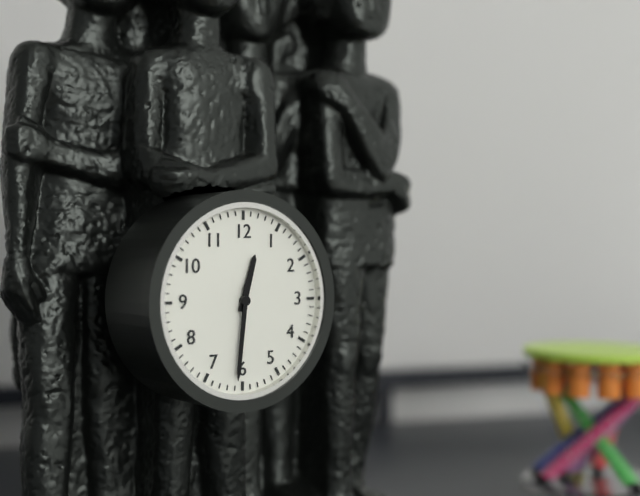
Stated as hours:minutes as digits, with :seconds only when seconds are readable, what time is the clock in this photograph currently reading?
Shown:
12:31
